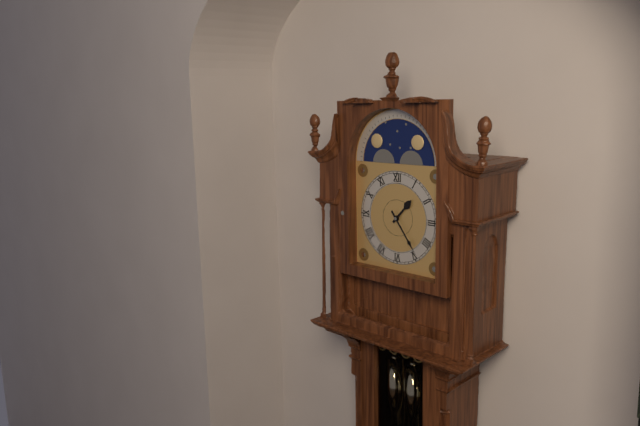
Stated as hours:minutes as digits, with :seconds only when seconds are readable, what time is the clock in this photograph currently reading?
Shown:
1:24
